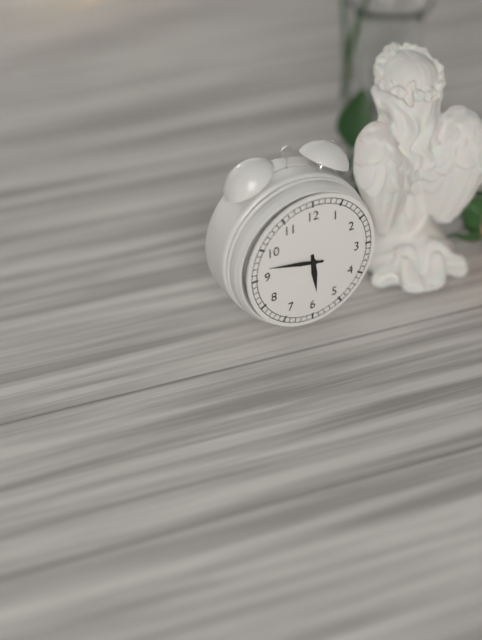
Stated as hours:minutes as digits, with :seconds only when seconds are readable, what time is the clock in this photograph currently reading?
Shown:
5:47
